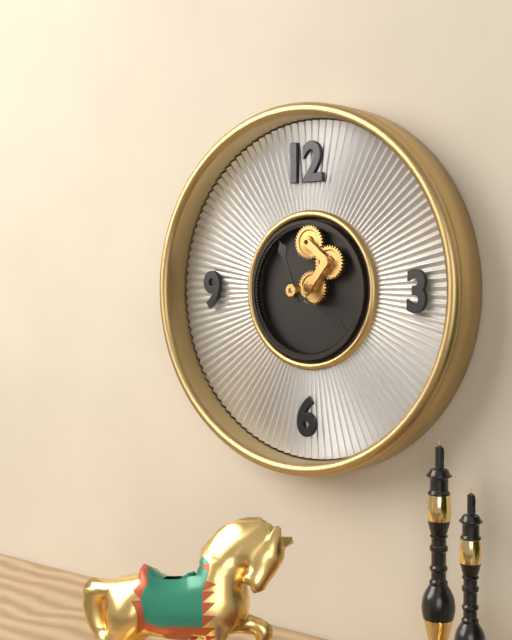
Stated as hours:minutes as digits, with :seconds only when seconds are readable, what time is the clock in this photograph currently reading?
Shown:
11:20
